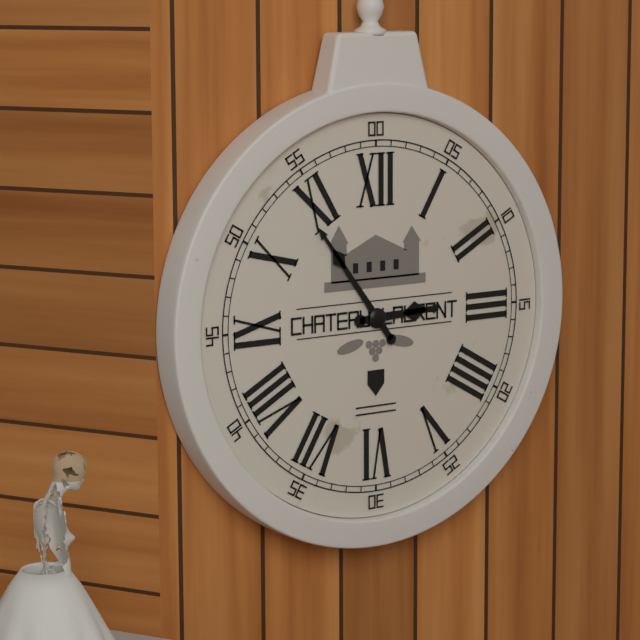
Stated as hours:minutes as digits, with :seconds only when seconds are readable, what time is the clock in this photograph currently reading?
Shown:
2:54
